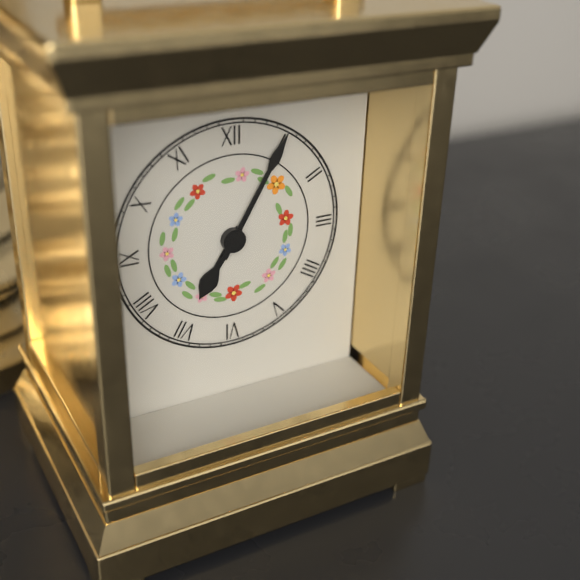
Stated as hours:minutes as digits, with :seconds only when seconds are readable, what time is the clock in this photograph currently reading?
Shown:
7:05
